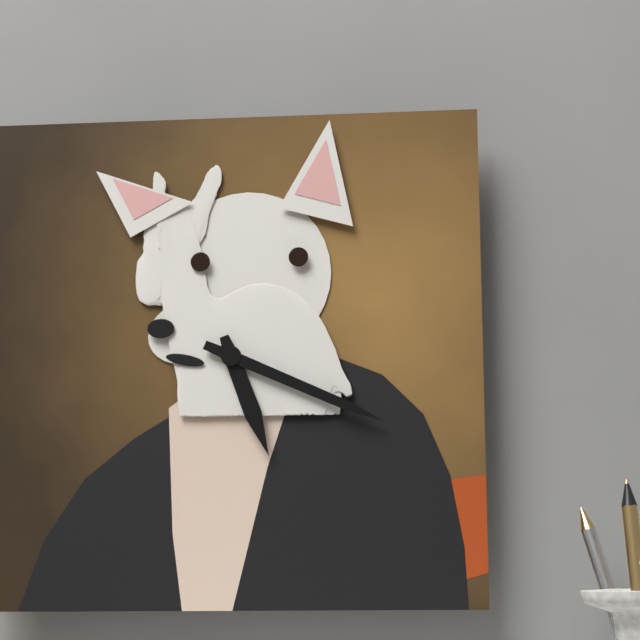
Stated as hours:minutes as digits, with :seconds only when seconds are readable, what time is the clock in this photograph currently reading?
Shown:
5:19
